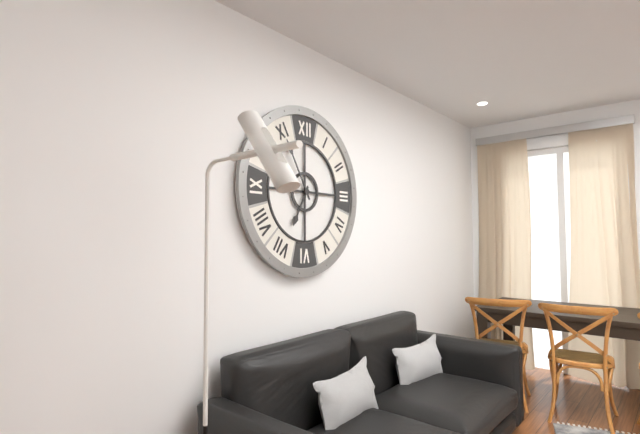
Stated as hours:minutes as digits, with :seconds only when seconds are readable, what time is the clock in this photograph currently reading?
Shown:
6:55
